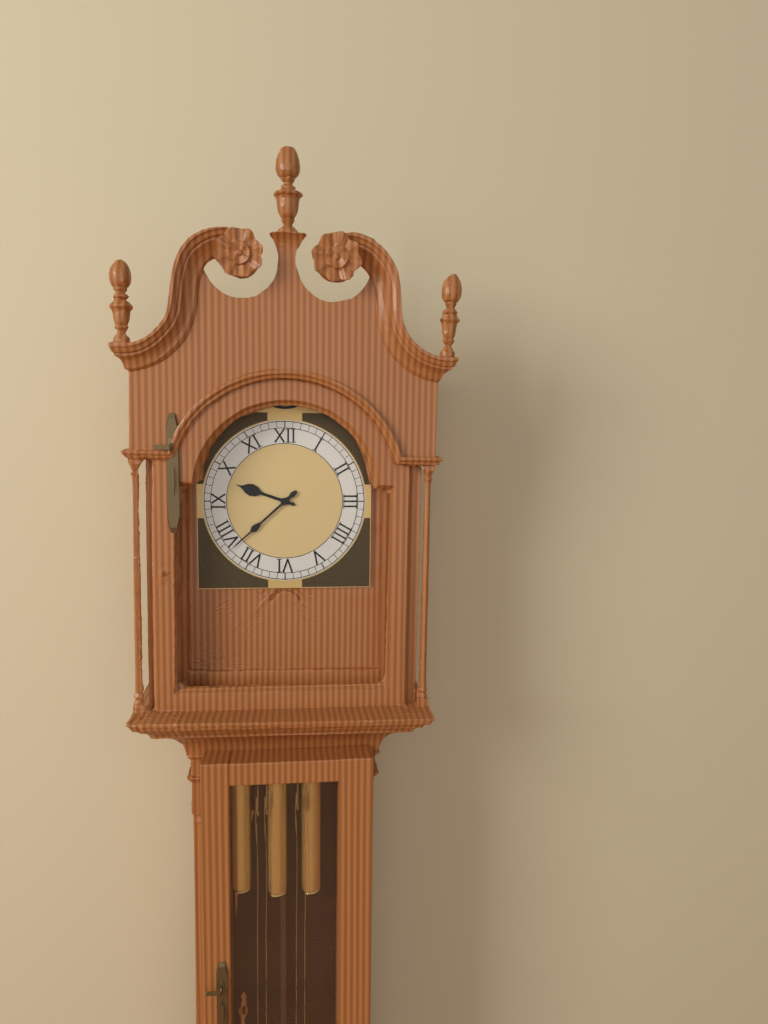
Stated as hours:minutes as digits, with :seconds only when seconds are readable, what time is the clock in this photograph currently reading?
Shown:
9:38
